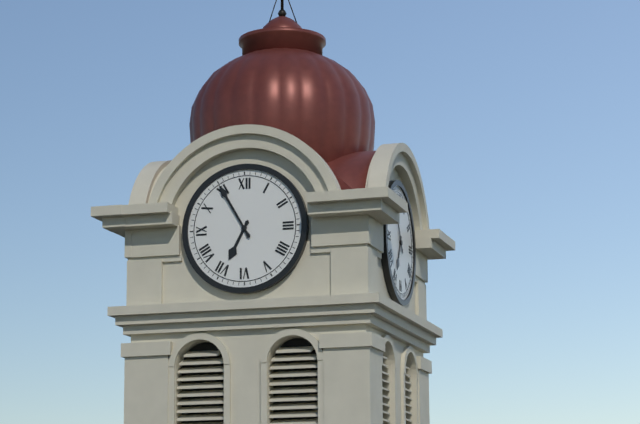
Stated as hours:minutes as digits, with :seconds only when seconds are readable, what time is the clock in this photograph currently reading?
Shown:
6:55
